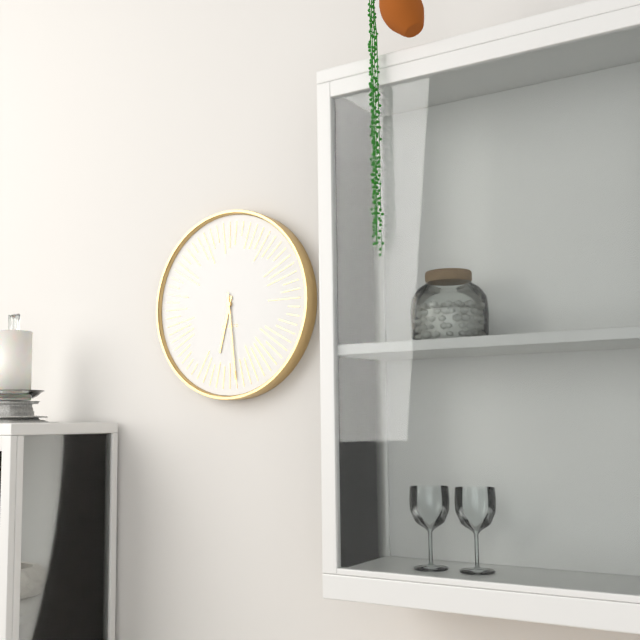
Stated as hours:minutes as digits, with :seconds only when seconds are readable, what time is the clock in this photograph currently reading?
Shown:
6:29
